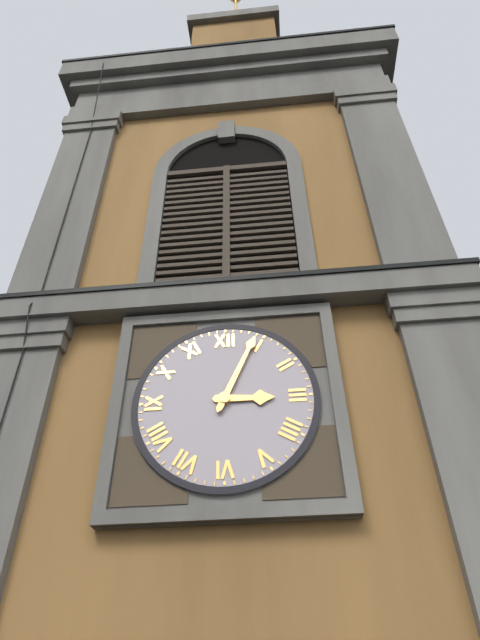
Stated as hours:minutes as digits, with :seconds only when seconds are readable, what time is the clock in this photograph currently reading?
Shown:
3:04
